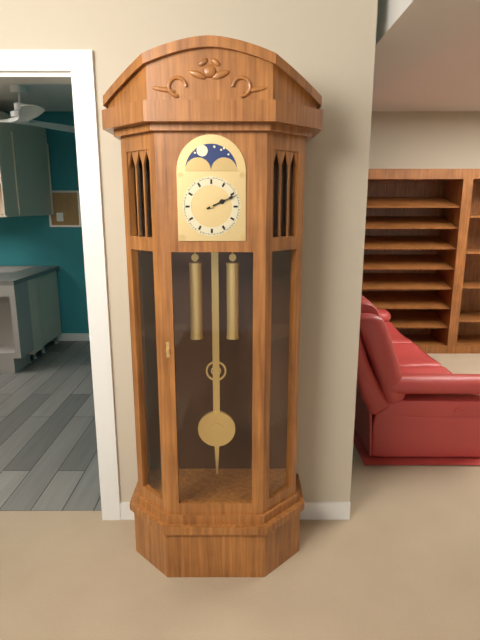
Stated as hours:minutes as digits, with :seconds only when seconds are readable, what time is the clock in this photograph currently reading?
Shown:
2:11
